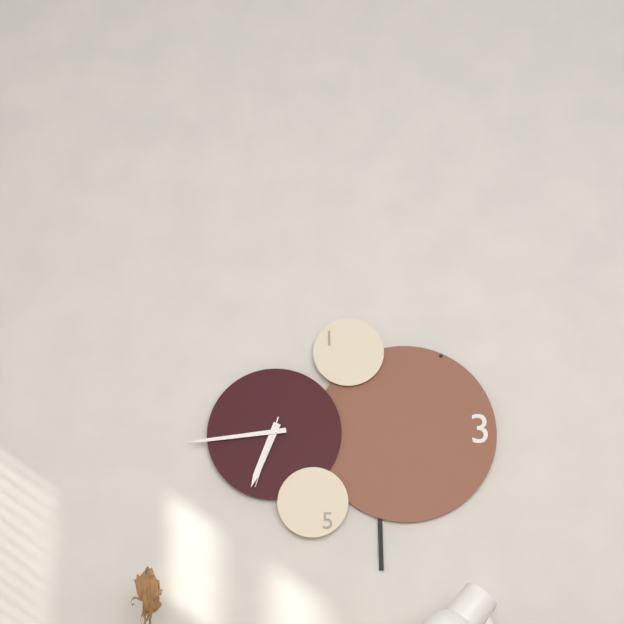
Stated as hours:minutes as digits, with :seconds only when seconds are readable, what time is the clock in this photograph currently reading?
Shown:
6:44:33
